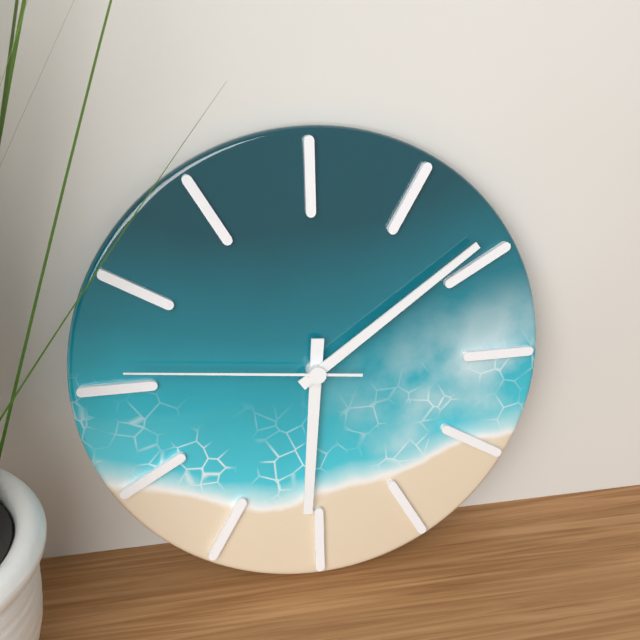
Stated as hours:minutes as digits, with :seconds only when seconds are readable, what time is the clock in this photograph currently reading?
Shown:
6:09:46
